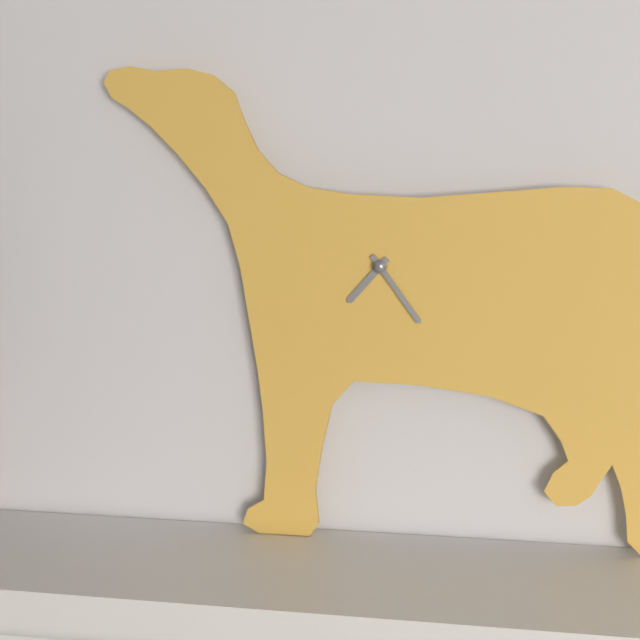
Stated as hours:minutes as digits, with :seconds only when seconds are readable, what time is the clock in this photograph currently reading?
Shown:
7:24
